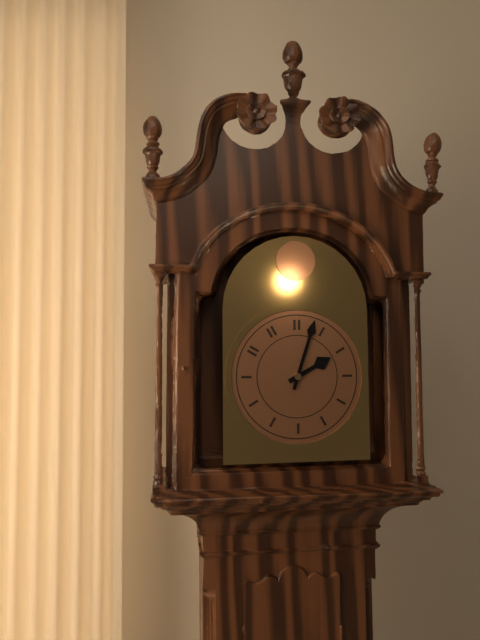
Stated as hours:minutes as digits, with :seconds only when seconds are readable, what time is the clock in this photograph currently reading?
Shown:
2:03
